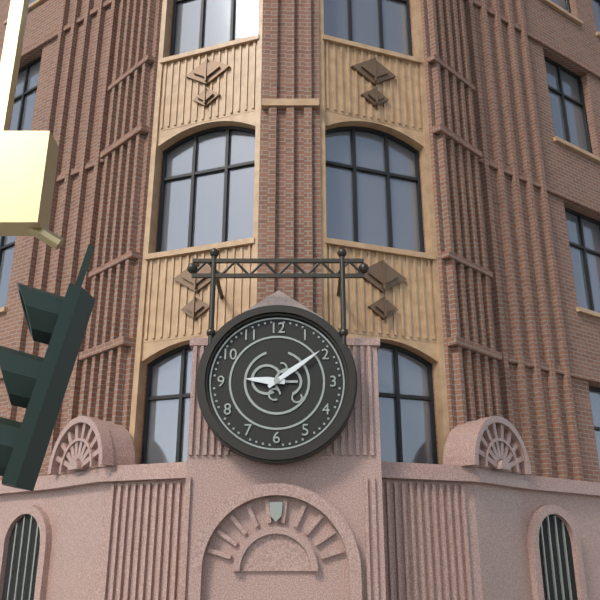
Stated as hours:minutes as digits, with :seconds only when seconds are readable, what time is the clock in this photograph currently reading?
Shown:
9:09
